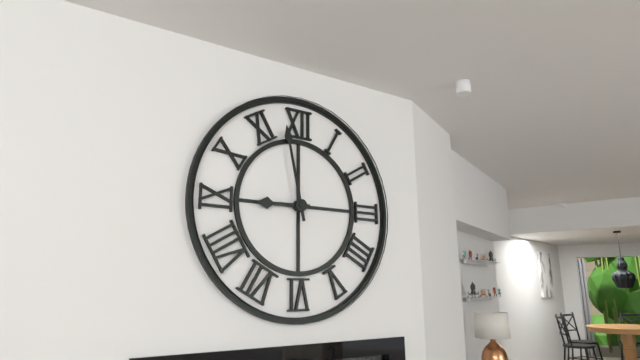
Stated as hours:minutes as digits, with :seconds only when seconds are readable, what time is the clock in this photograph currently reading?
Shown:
8:58
